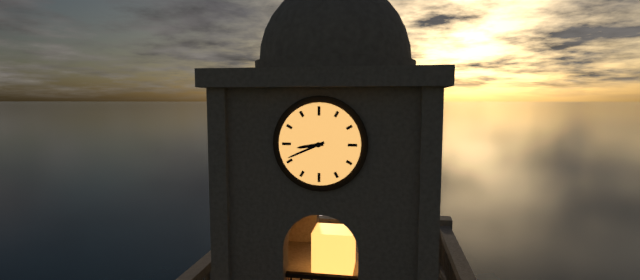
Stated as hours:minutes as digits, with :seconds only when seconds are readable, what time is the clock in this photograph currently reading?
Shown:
8:41
